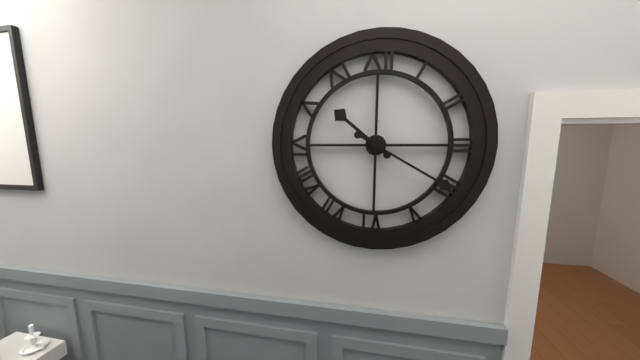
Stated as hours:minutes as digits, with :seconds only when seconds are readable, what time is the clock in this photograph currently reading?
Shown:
10:20
